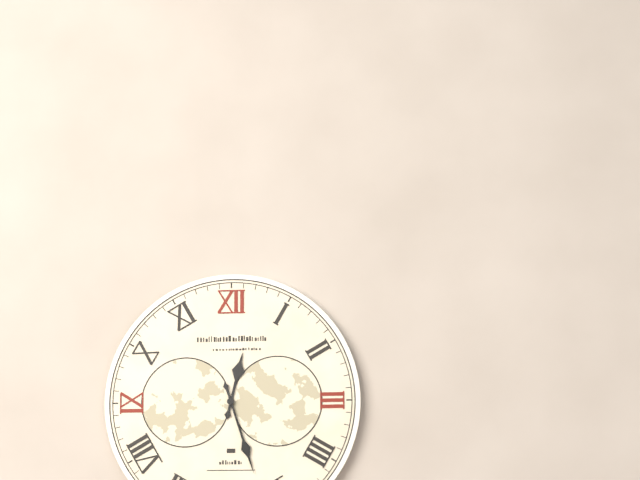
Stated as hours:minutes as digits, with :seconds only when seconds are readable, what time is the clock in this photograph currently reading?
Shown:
12:27
